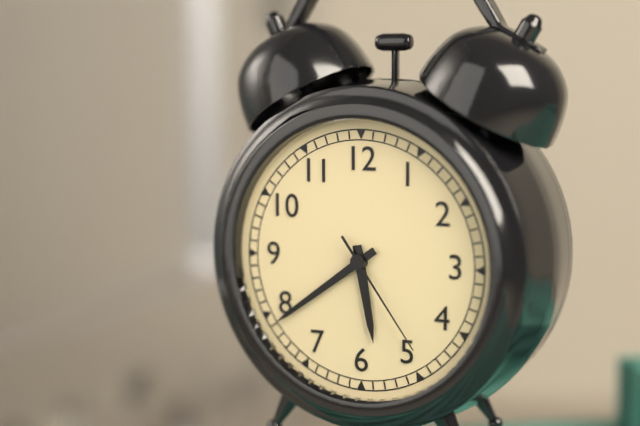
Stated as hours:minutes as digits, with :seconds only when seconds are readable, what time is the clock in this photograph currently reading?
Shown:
5:39:24
